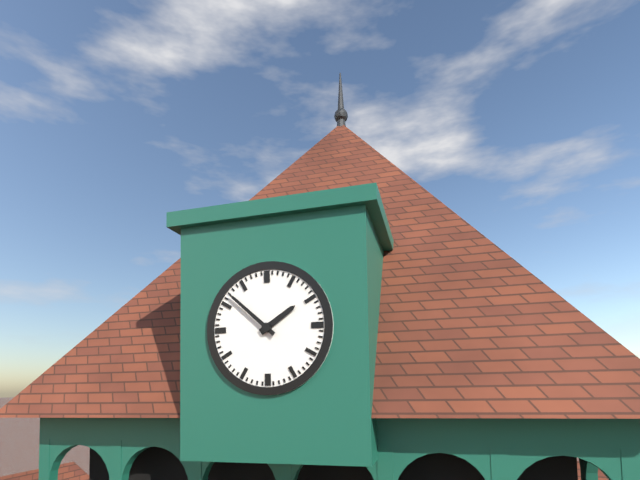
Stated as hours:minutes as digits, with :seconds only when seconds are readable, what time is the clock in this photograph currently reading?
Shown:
1:52
